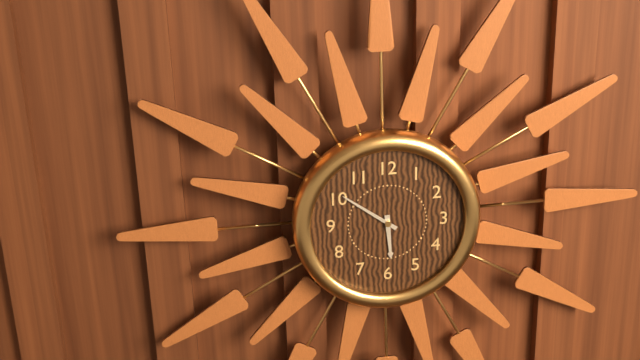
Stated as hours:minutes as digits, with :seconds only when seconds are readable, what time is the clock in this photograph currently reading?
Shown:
5:51
